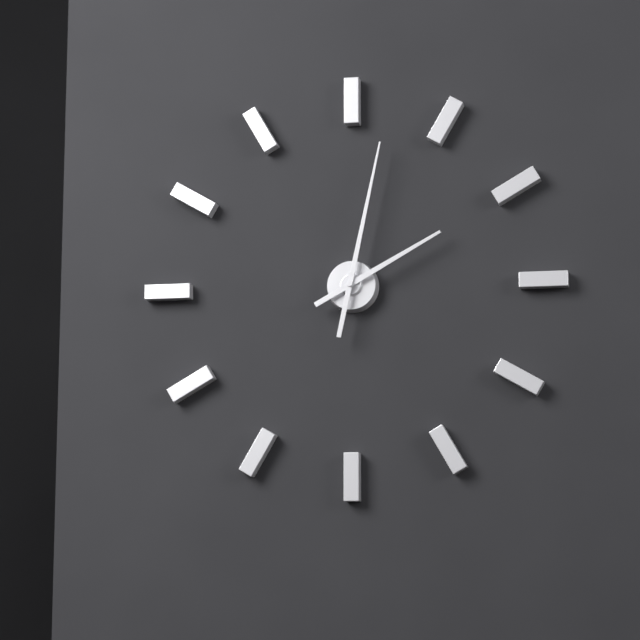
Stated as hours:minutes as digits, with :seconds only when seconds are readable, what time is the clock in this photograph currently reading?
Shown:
2:02
